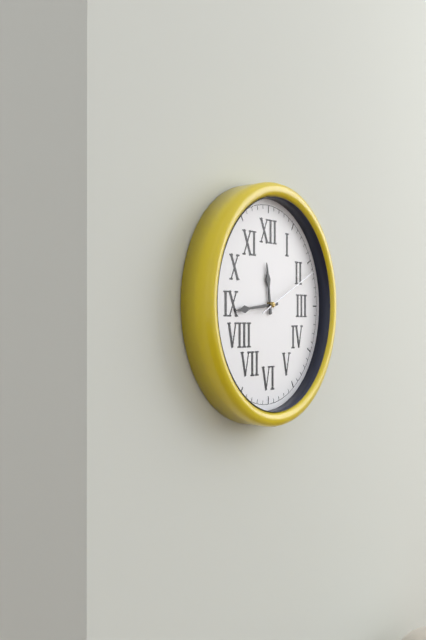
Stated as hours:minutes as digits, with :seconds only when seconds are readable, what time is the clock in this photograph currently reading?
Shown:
11:44:11
